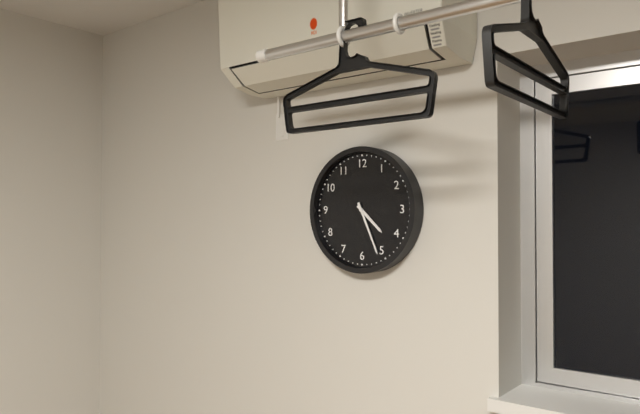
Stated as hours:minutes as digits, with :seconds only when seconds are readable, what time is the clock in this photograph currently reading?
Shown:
4:26
